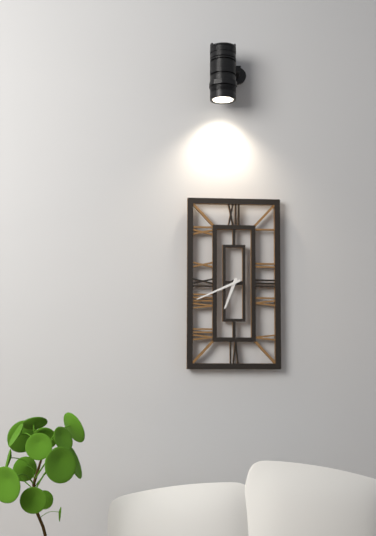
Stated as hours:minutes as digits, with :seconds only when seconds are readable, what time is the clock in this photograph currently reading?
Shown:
6:41
